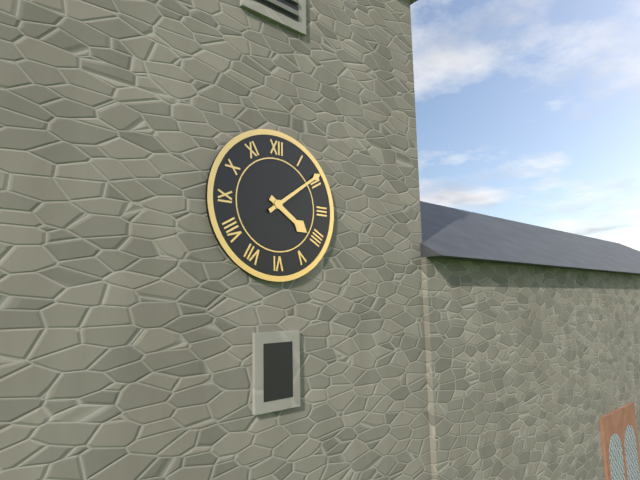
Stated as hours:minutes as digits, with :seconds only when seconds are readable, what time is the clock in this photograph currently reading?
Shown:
4:09
